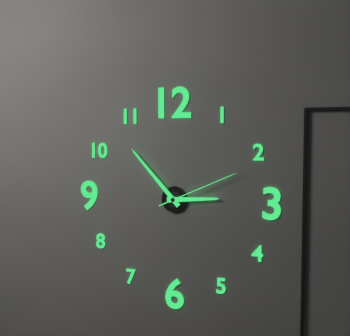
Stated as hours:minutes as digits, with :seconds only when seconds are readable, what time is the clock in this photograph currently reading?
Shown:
2:53:11
